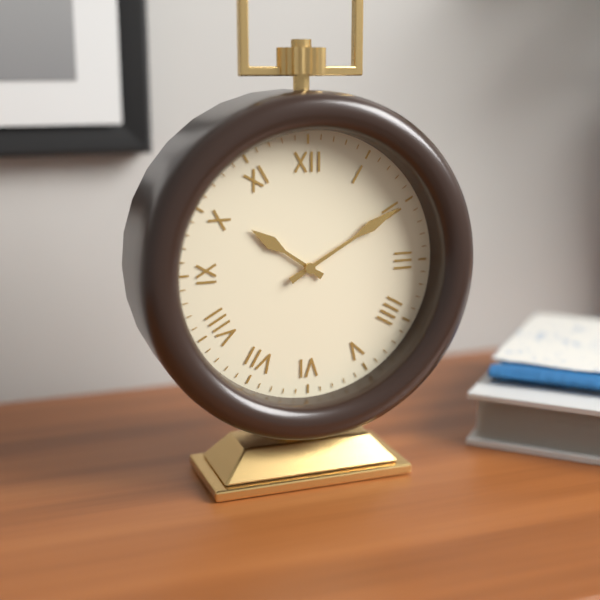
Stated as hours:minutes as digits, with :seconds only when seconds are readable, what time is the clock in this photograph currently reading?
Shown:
10:10
